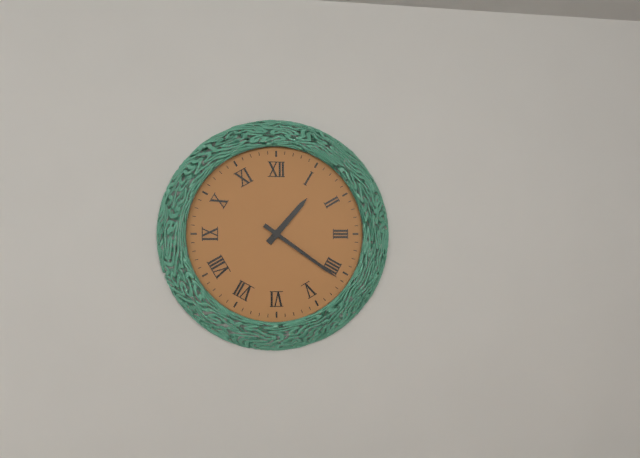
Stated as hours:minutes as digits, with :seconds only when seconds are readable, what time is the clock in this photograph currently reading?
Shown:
1:21
